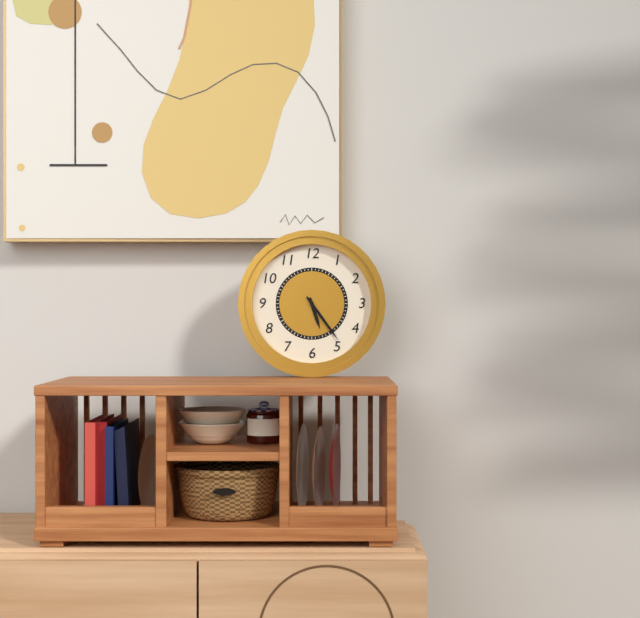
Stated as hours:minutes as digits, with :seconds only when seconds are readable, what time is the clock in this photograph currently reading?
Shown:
5:24
